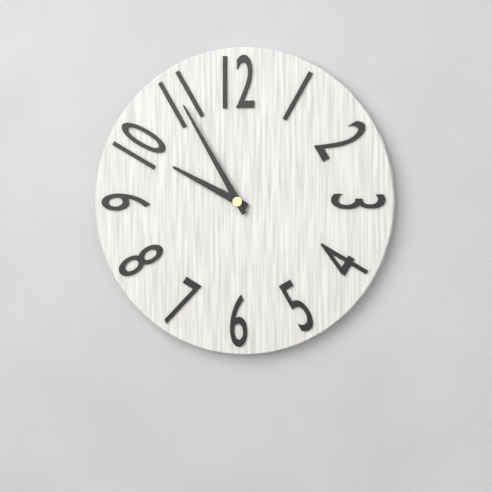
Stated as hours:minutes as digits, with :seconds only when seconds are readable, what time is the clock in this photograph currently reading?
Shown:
9:55
